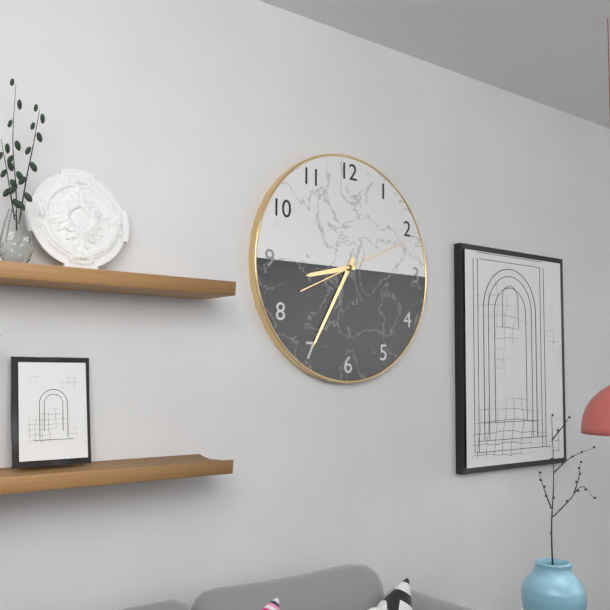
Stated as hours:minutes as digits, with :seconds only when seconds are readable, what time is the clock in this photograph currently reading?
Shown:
8:35:11
